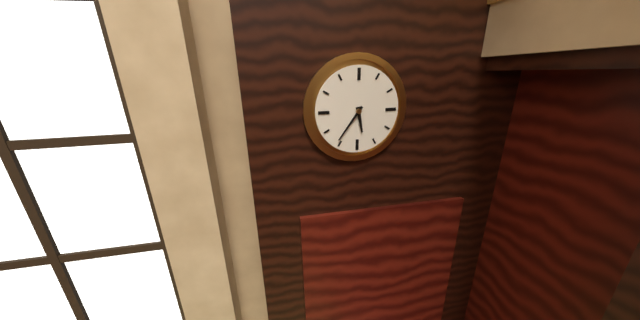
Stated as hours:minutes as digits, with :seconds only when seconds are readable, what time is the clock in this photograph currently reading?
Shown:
5:36
